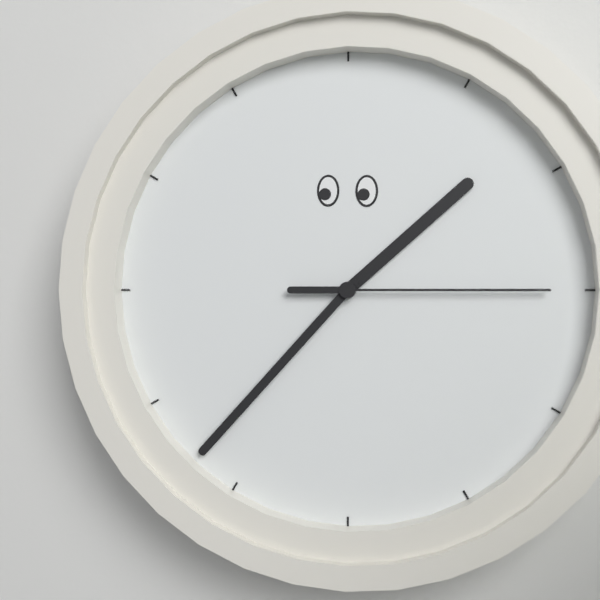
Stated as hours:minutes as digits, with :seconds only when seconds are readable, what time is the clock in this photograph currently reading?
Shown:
1:37:15
